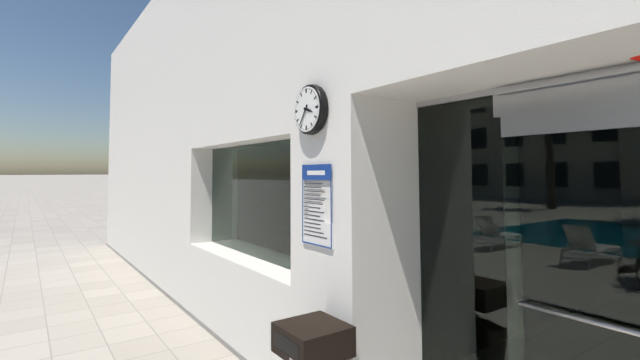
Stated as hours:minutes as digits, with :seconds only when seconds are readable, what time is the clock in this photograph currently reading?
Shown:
3:36
